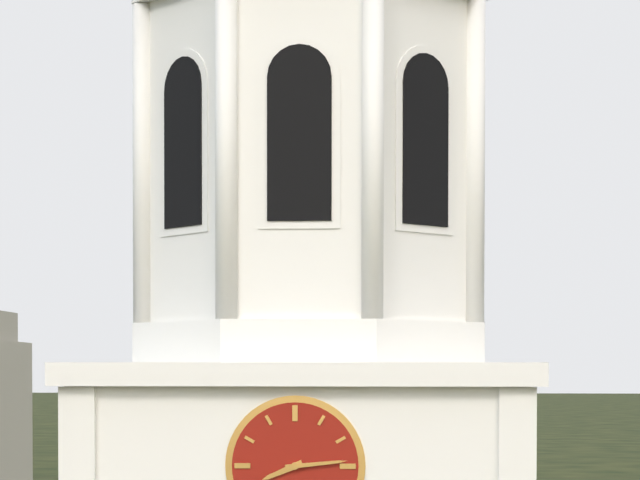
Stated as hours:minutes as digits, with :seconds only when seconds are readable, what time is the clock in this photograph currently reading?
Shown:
8:14
